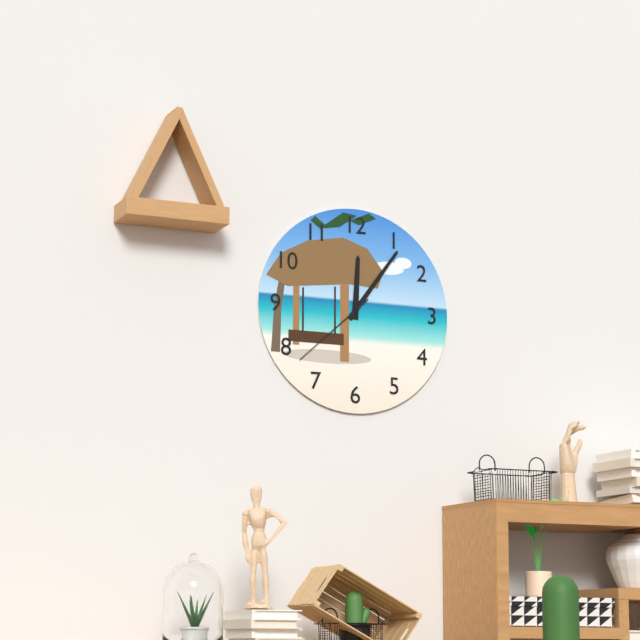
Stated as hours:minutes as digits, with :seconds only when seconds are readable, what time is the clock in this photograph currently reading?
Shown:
12:06:38
